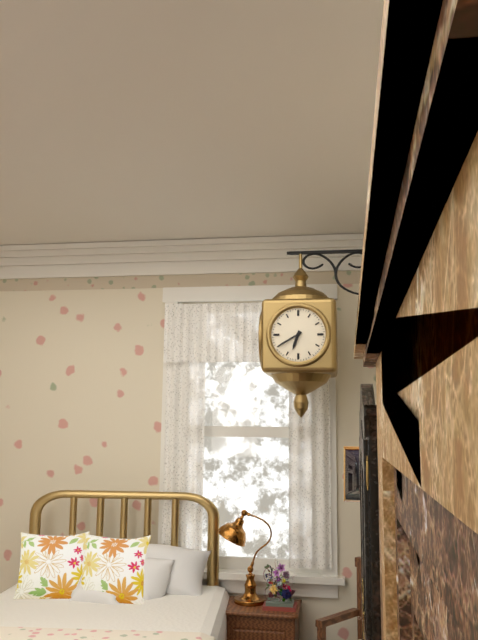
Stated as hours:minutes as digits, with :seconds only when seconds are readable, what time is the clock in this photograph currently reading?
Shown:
6:40
